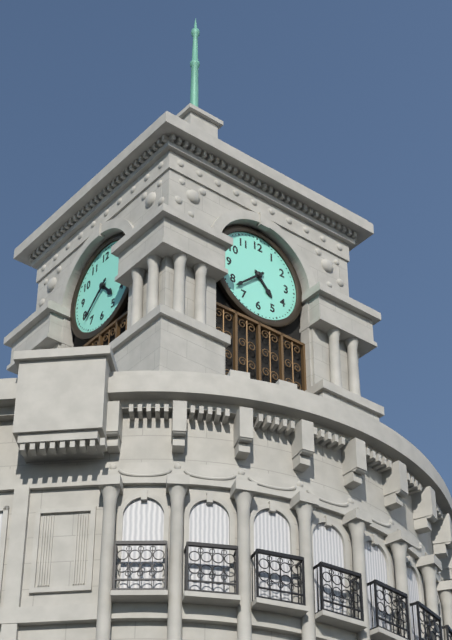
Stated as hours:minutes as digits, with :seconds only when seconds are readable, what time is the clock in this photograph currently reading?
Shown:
4:38
